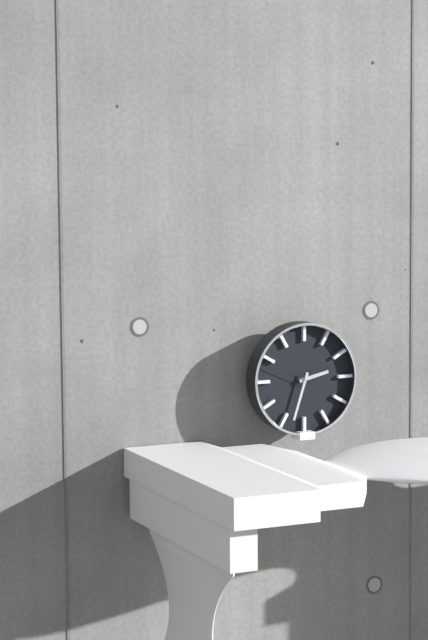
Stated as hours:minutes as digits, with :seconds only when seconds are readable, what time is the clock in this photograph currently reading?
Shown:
2:33:49
